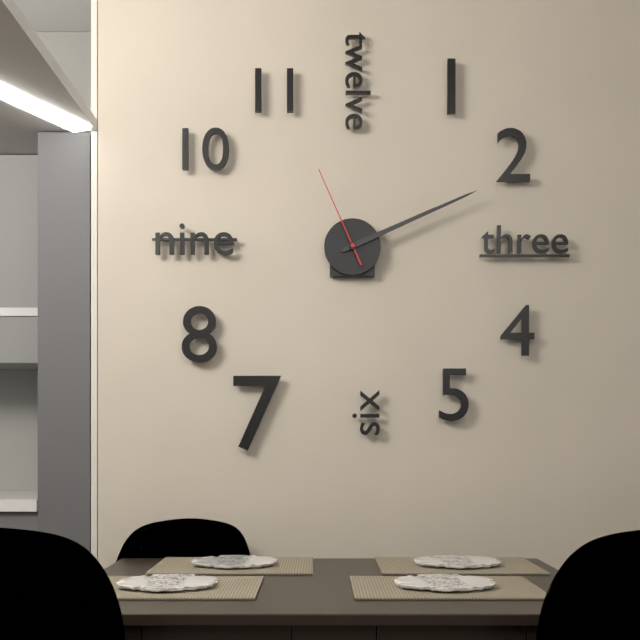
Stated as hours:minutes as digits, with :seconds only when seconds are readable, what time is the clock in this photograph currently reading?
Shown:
2:11:56
